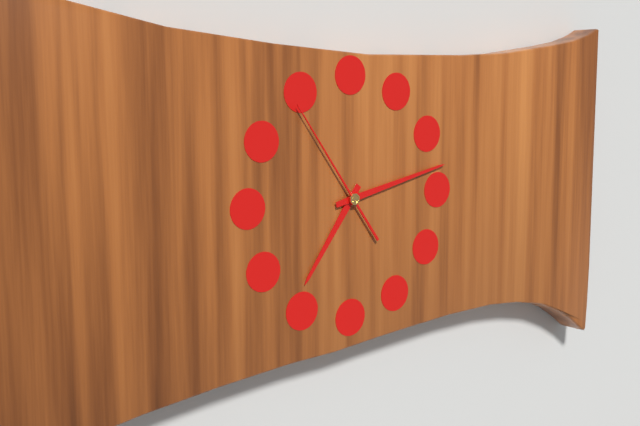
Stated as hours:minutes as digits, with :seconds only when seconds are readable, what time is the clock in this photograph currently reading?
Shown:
7:13:54
